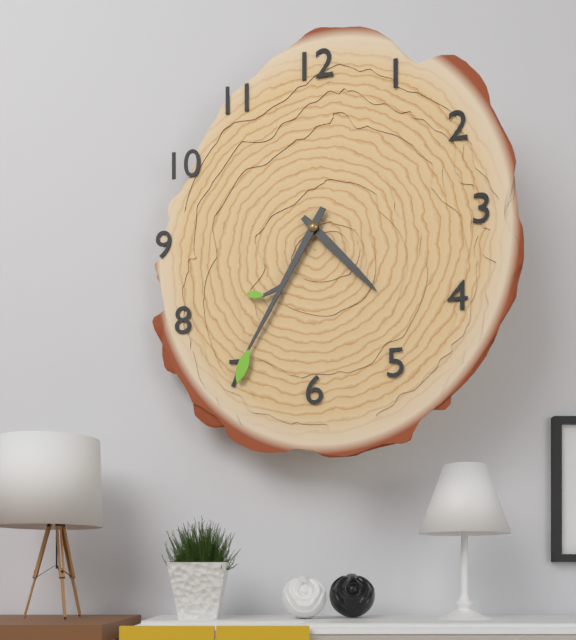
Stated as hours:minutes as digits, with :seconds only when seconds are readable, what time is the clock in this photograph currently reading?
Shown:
4:35
